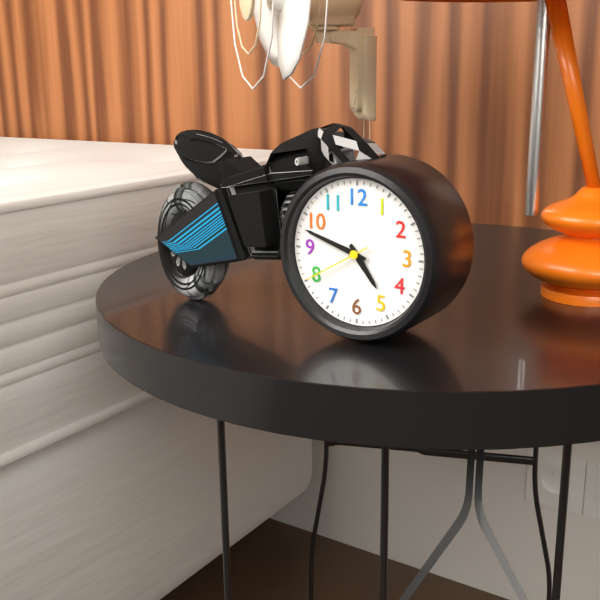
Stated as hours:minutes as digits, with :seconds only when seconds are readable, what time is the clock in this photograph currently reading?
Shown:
4:48:40
